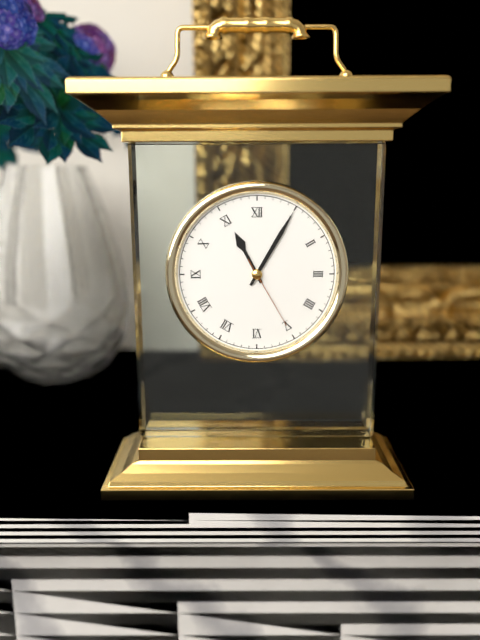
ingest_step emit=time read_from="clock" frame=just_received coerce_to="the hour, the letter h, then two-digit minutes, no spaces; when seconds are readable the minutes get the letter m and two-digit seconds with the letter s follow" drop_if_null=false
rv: 11h05m25s
